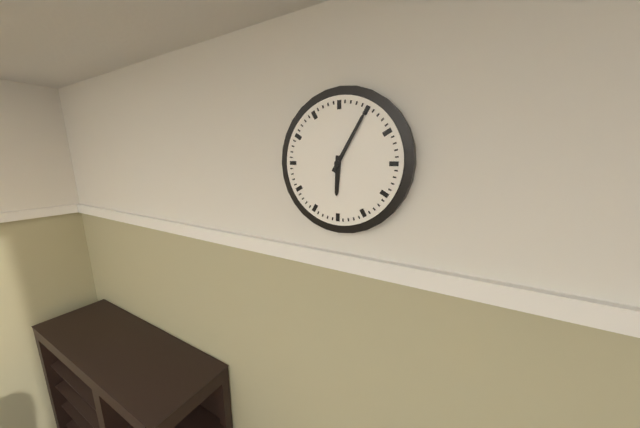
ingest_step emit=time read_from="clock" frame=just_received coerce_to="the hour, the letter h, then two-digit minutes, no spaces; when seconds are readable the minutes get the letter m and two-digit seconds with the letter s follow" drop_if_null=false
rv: 6h05
